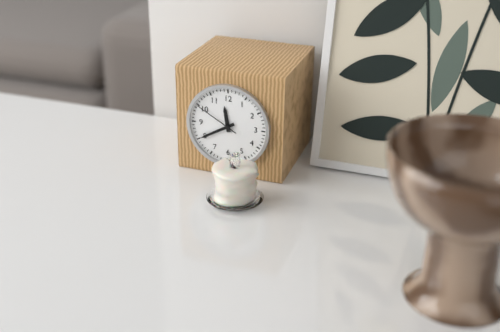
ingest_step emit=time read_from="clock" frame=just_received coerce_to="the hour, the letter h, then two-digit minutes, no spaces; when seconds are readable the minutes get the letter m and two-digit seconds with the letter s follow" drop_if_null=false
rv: 11h40
